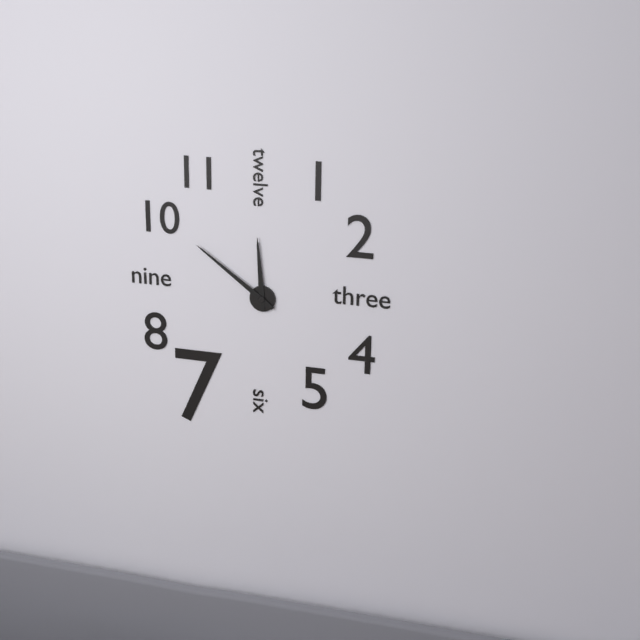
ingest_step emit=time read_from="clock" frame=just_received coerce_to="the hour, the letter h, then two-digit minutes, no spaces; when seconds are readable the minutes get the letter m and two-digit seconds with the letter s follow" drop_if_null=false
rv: 11h51
